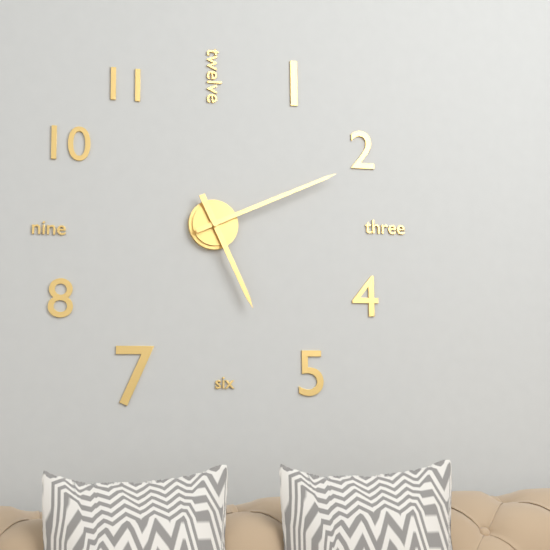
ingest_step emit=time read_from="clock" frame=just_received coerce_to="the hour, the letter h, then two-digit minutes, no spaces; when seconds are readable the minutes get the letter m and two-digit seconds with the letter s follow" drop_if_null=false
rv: 5h11
